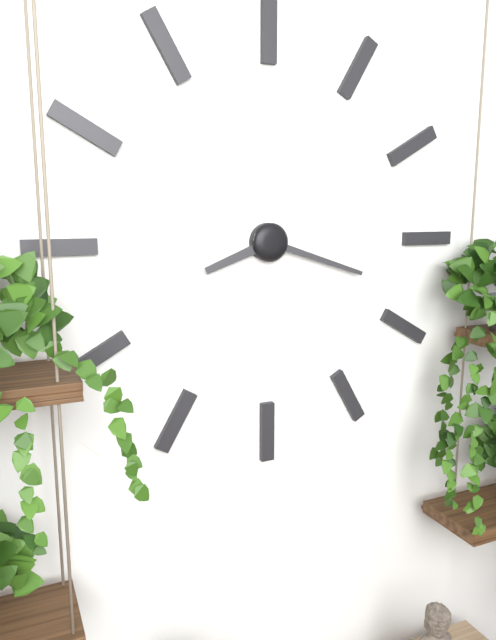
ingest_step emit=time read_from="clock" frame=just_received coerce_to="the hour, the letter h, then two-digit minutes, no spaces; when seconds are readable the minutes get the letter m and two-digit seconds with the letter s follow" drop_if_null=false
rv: 8h18
